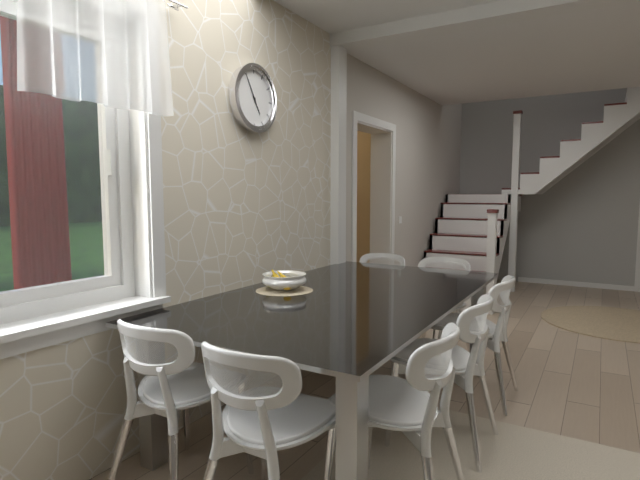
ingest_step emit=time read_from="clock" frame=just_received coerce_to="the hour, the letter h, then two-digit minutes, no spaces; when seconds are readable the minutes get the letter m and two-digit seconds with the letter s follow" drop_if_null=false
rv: 4h55
